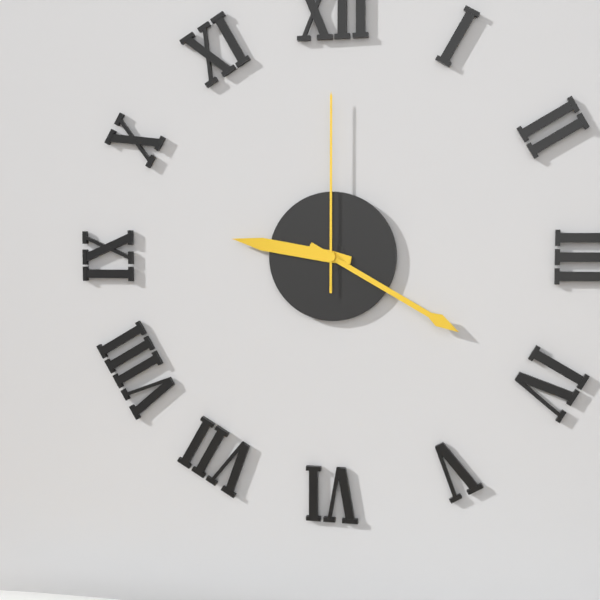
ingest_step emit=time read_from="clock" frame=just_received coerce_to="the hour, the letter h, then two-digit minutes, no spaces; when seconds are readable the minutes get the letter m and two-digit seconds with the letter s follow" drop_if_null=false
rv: 9h20m00s
